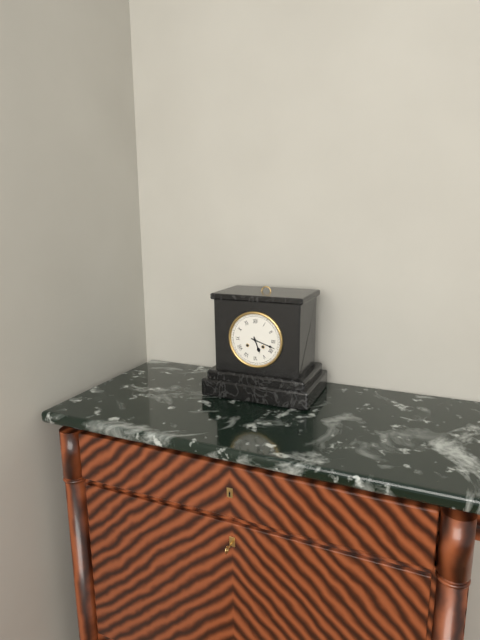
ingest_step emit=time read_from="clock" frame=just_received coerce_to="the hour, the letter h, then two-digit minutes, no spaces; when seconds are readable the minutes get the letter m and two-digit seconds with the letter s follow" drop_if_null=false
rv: 5h18
